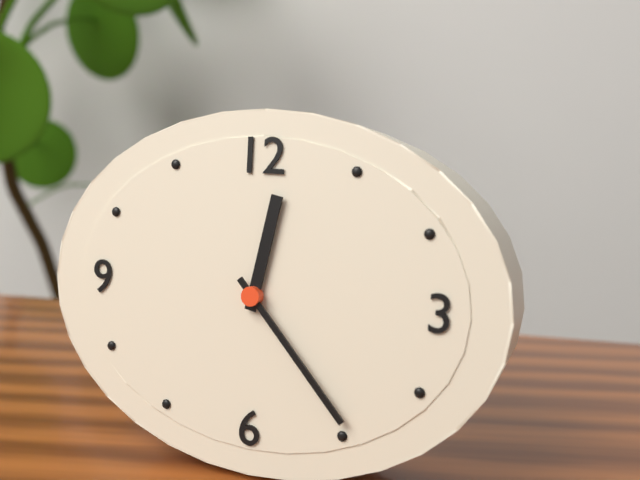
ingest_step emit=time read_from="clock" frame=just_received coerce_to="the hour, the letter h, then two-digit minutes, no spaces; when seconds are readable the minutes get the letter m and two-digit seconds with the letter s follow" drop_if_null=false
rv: 12h23
